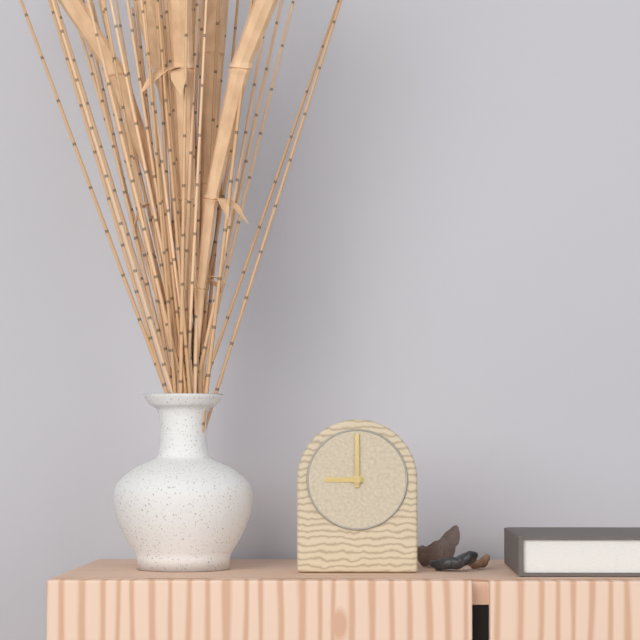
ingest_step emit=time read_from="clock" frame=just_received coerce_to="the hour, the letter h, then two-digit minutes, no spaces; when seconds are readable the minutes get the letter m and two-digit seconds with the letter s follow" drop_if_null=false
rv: 9h00
